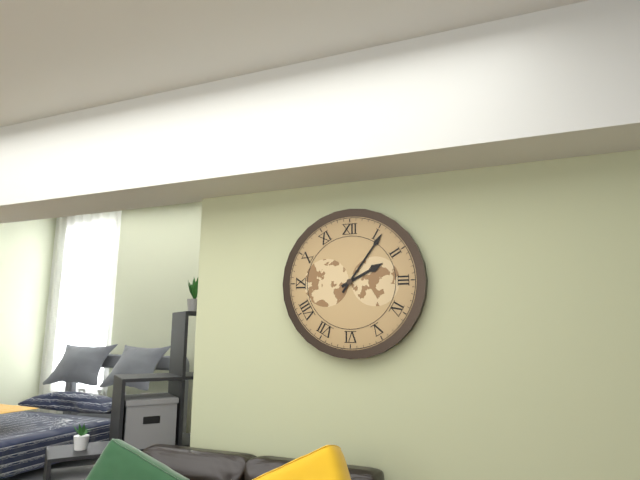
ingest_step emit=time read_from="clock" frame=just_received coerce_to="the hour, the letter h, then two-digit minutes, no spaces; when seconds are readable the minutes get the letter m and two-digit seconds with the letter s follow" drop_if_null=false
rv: 2h06
